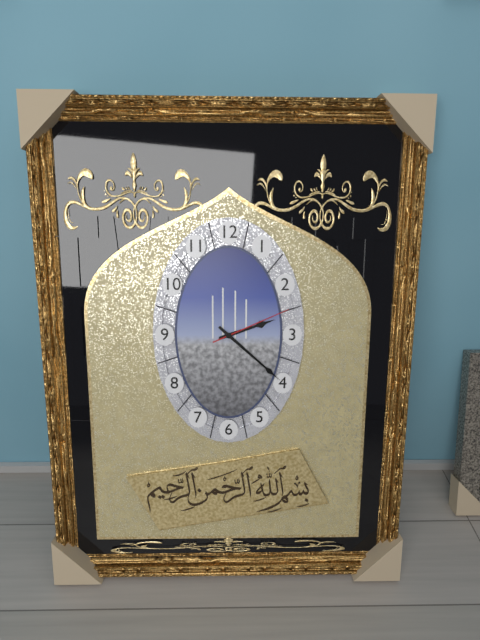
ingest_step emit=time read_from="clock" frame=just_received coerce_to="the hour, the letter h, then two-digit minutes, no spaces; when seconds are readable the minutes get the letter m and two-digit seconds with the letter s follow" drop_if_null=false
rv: 2h22m11s
